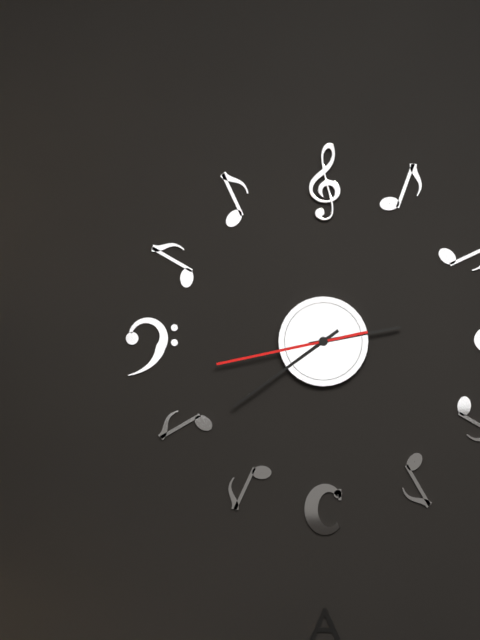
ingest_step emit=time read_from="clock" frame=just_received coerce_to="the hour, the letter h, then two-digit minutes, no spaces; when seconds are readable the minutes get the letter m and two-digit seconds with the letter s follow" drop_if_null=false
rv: 2h39m43s
